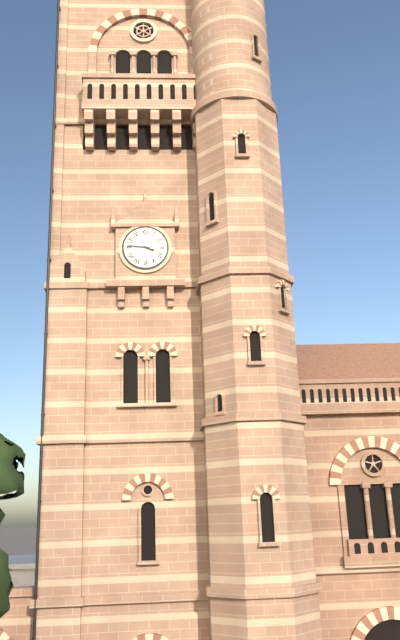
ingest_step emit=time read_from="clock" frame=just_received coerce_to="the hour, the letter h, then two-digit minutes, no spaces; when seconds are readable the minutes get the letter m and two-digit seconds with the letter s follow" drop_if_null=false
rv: 3h46
